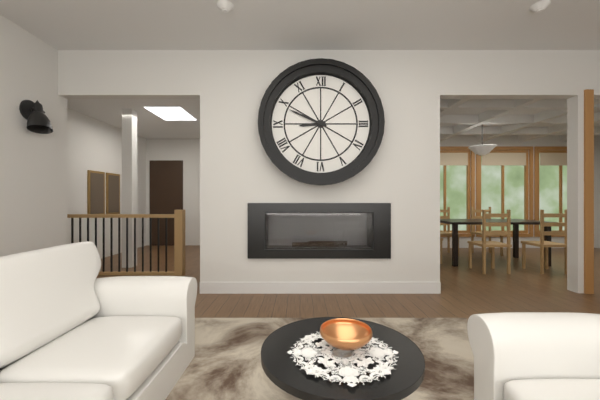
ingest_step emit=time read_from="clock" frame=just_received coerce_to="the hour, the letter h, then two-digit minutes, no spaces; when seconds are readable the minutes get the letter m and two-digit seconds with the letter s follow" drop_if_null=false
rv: 8h49
